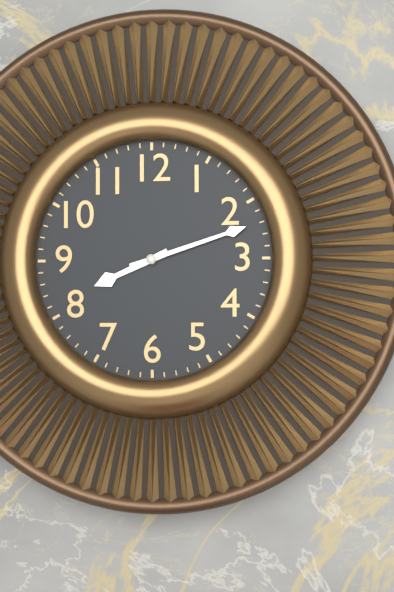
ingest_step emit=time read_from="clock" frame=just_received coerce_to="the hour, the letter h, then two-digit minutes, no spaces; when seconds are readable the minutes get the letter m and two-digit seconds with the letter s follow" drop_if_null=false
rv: 8h12
